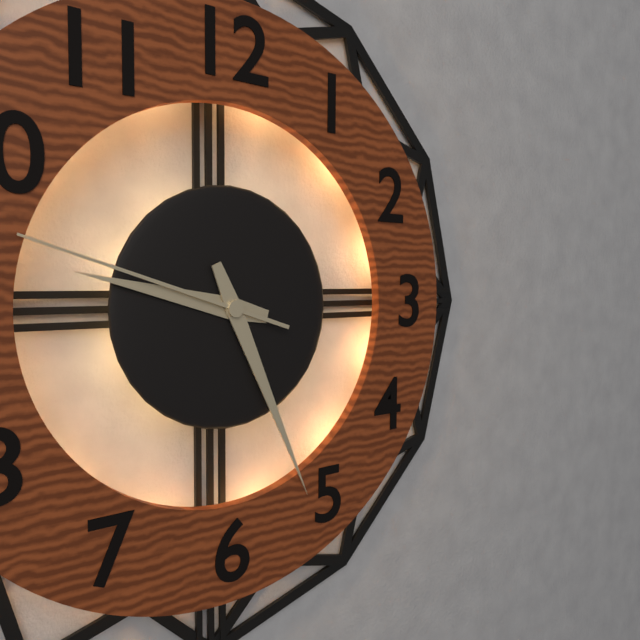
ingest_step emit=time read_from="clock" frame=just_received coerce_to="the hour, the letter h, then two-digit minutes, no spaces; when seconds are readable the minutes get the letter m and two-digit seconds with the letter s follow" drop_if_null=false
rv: 9h26m48s
